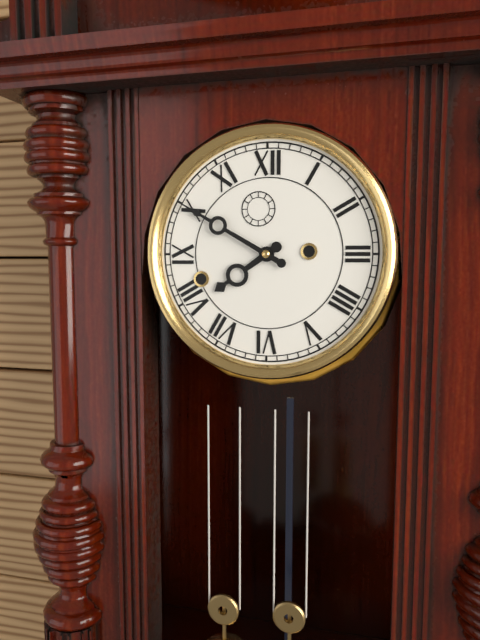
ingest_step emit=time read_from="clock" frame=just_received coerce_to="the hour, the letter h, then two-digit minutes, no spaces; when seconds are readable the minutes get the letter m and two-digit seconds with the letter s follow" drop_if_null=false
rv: 7h50
